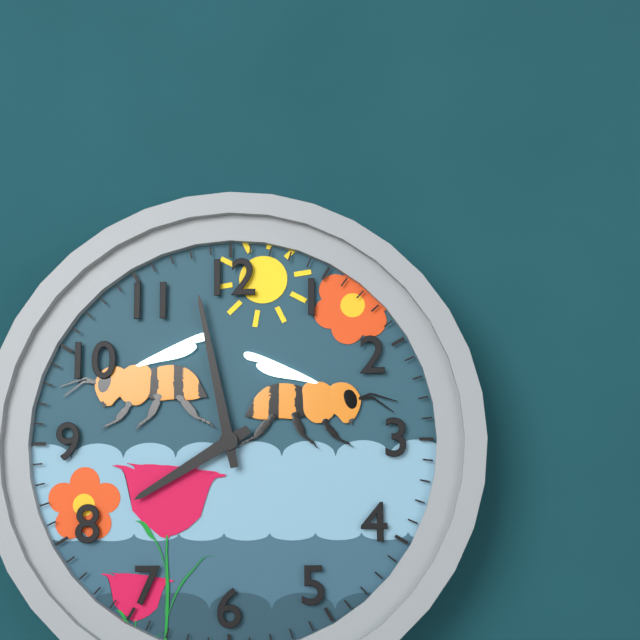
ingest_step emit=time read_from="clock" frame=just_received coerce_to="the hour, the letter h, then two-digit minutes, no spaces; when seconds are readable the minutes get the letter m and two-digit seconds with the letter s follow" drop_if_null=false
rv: 7h58
